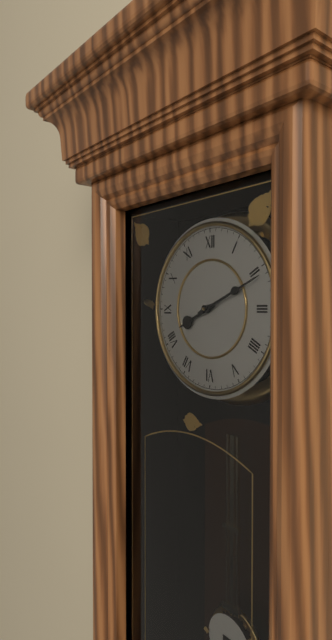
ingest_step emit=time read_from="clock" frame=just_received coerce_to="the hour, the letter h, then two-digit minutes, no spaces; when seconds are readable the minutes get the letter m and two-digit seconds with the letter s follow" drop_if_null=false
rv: 8h11
